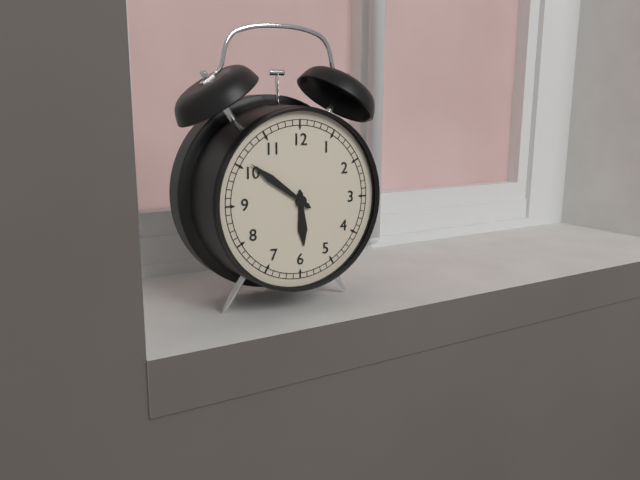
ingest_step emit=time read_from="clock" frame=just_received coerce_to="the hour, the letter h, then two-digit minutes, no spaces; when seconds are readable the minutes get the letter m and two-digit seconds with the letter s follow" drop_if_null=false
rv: 5h51
